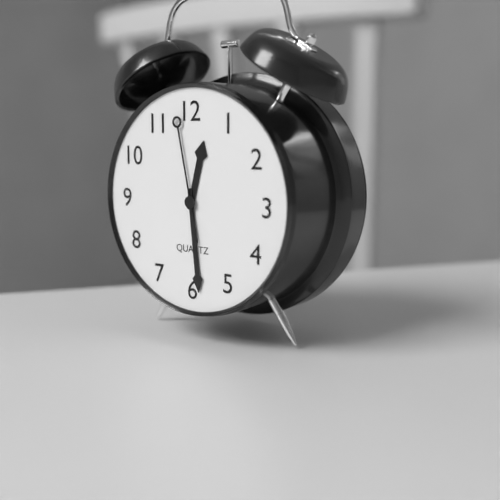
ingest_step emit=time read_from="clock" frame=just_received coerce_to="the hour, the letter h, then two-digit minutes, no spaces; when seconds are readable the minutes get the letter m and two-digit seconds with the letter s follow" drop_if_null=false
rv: 12h29m58s
